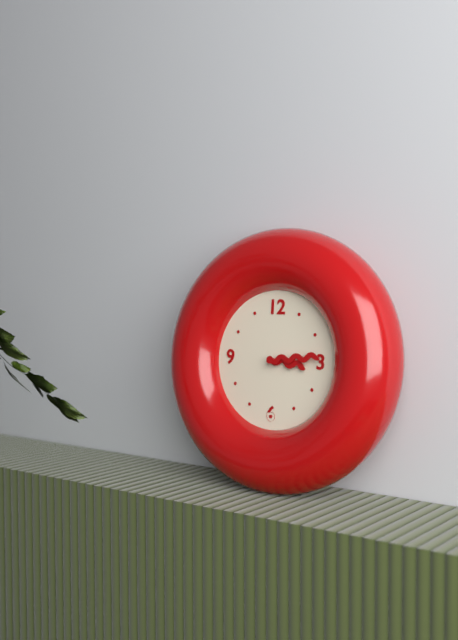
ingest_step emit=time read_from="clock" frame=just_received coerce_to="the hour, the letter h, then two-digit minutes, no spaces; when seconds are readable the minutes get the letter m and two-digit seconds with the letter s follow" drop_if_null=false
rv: 3h14
